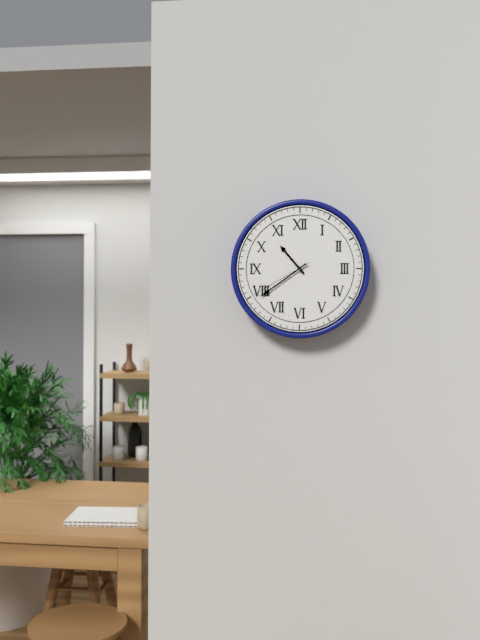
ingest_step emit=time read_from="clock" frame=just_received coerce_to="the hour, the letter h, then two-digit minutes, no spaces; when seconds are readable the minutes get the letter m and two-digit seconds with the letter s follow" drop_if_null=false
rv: 10h39m40s
